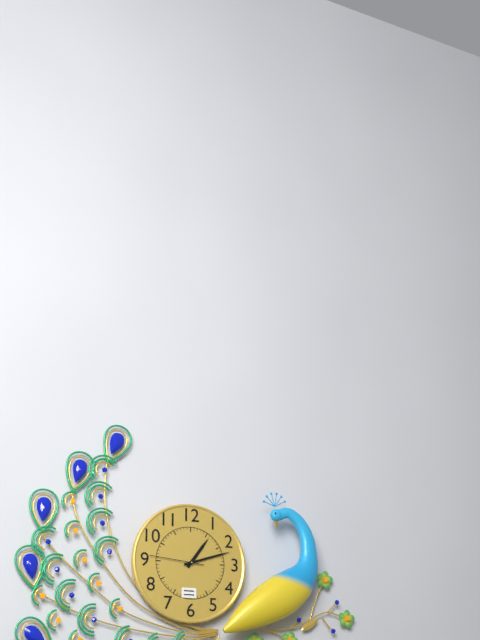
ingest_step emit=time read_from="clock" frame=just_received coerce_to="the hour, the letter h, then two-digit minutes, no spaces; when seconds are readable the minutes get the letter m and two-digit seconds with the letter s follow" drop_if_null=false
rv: 1h12
